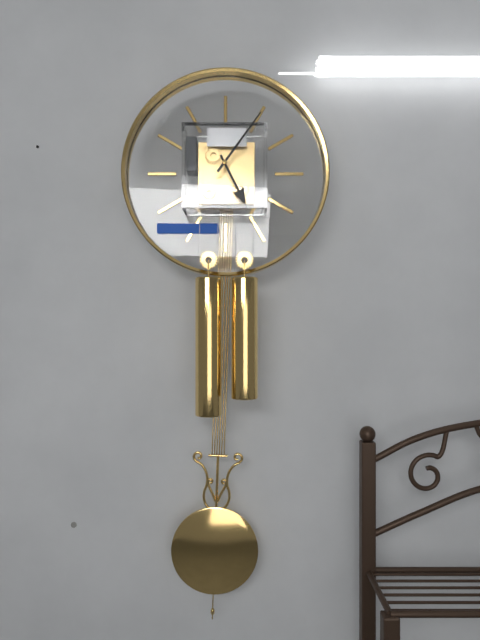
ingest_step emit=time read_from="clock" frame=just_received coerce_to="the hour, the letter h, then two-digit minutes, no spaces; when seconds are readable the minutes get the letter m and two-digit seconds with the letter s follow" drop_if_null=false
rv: 5h06
